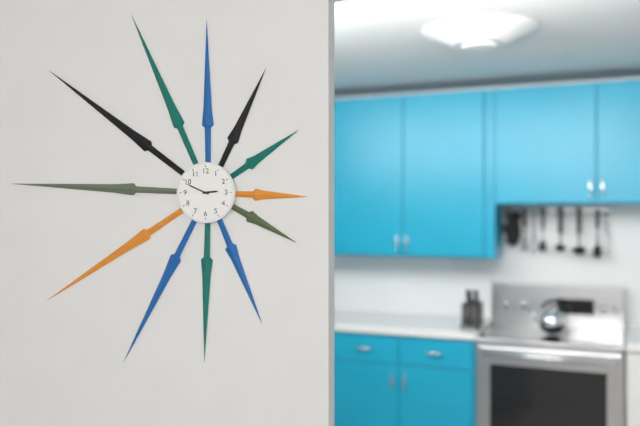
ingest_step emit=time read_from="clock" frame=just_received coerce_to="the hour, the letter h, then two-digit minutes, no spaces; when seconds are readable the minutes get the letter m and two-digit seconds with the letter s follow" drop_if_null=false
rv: 2h49
